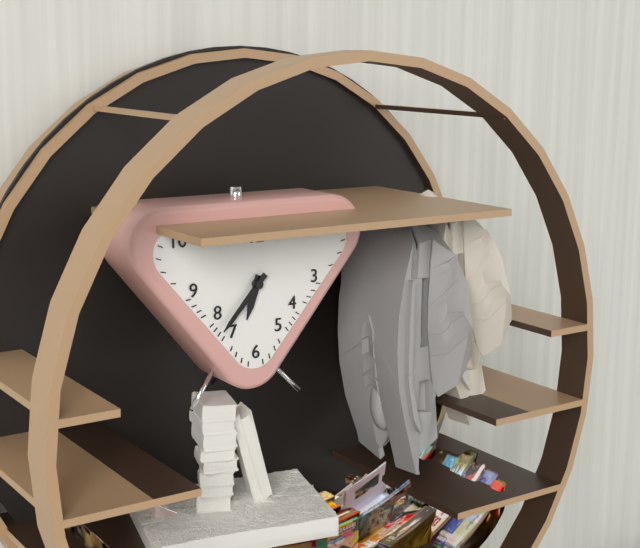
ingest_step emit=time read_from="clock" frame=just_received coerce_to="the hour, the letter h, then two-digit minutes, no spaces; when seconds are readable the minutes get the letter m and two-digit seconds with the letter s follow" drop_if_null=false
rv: 6h37
